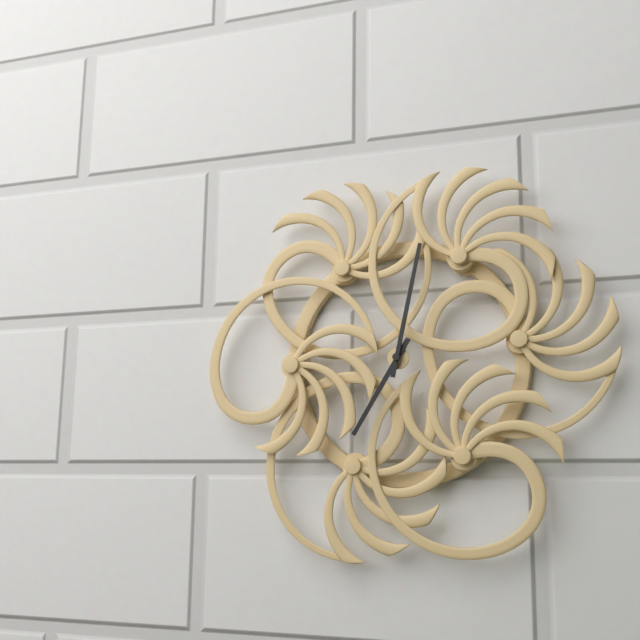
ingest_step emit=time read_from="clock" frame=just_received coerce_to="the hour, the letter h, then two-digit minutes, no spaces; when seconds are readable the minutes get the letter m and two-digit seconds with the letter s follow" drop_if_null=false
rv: 7h02
